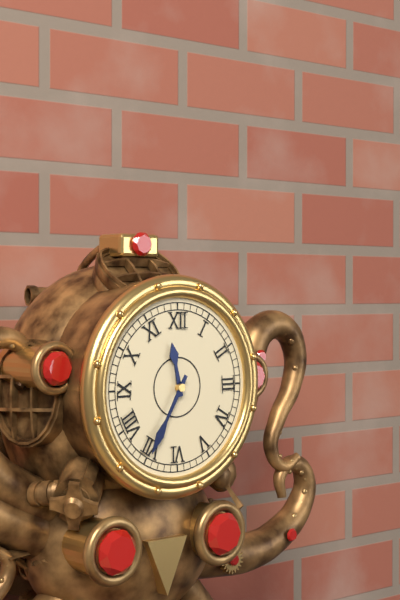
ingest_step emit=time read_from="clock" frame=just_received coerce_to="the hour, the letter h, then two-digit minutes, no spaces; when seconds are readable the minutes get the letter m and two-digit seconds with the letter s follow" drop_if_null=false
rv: 11h35
